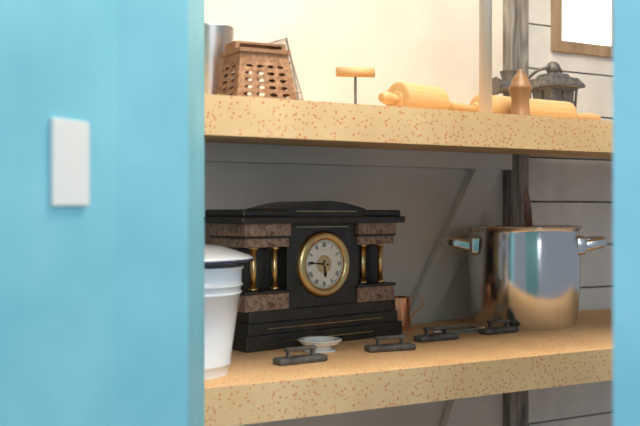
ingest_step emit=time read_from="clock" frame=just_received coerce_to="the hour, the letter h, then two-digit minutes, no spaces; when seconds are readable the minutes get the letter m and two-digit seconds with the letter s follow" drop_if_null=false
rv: 5h46
